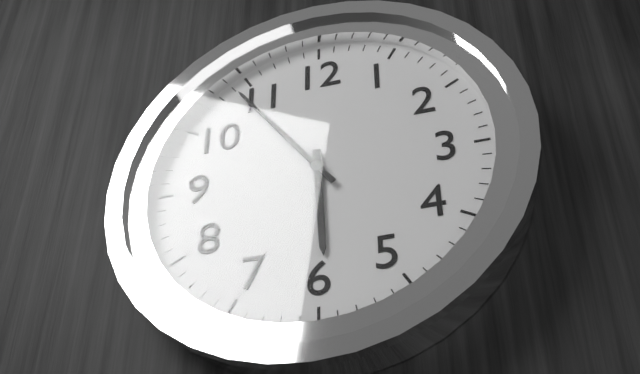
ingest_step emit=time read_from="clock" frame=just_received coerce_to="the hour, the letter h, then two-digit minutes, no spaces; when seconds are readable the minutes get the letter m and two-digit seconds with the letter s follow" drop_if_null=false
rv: 5h54
